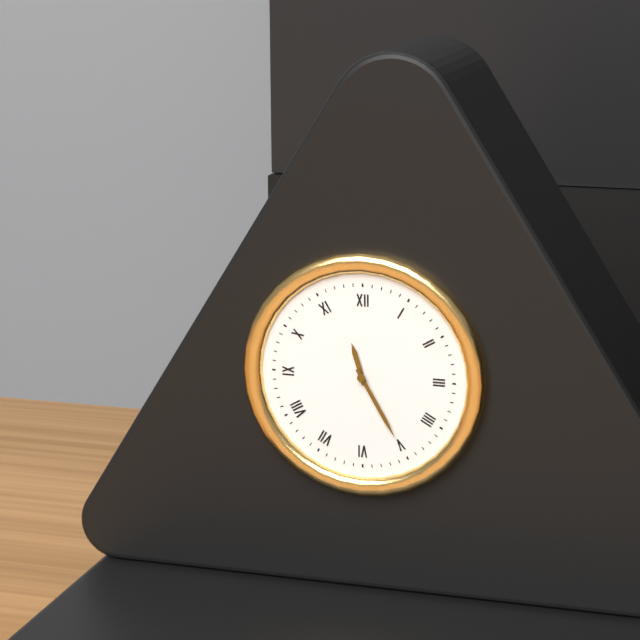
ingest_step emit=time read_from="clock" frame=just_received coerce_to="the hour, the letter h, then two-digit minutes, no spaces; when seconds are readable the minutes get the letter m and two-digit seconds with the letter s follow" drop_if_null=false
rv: 11h25
